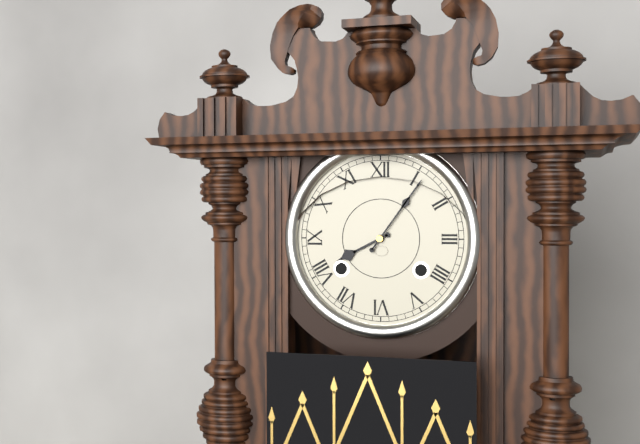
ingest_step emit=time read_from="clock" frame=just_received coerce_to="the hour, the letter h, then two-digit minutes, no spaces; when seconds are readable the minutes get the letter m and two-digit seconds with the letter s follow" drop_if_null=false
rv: 8h06
